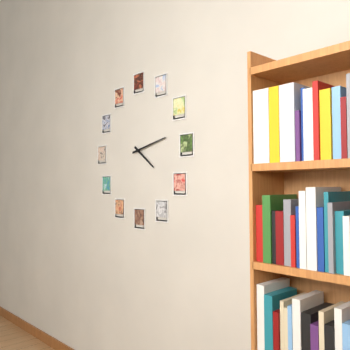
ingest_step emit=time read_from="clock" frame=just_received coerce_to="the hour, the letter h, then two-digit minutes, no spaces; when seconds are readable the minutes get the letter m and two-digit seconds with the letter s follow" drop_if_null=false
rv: 4h13
